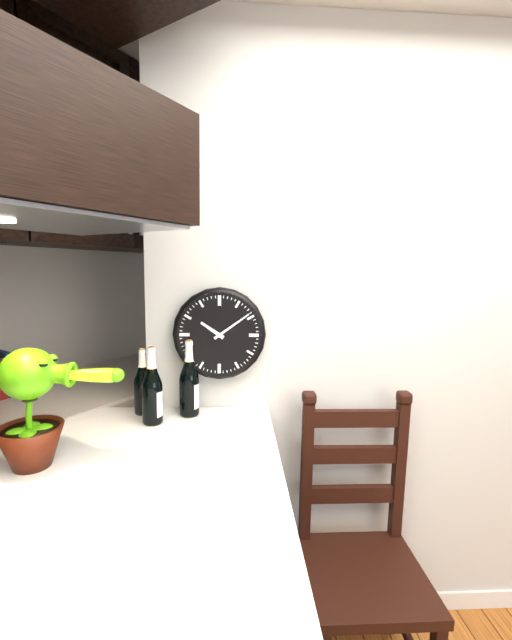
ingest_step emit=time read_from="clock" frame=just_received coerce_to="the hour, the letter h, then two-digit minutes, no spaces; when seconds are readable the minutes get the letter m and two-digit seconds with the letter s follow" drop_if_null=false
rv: 10h09
